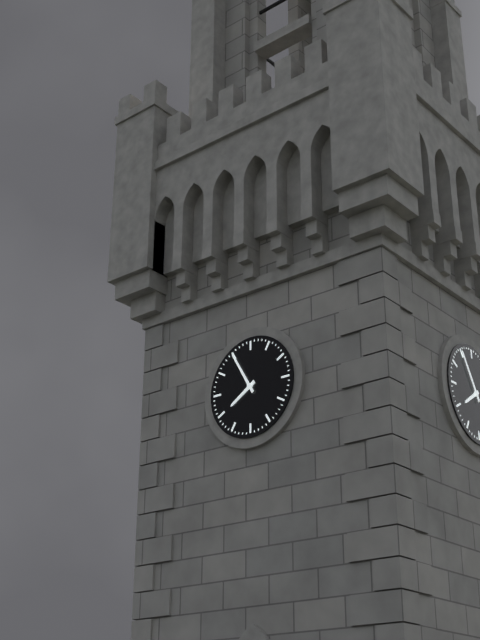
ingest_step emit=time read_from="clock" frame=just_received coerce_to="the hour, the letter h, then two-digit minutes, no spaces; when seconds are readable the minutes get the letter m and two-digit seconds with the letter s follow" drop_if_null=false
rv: 7h55
